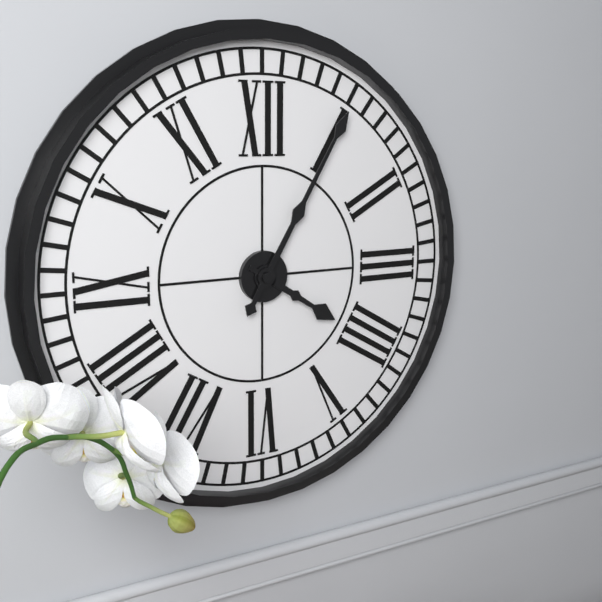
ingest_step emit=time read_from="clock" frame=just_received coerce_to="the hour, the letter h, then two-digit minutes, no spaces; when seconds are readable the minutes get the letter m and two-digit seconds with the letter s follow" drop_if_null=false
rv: 4h05
